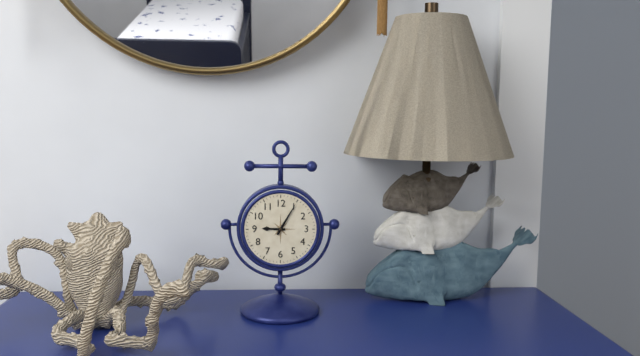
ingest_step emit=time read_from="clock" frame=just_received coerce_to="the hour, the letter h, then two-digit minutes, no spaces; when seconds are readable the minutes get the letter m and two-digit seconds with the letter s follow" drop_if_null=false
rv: 9h05
